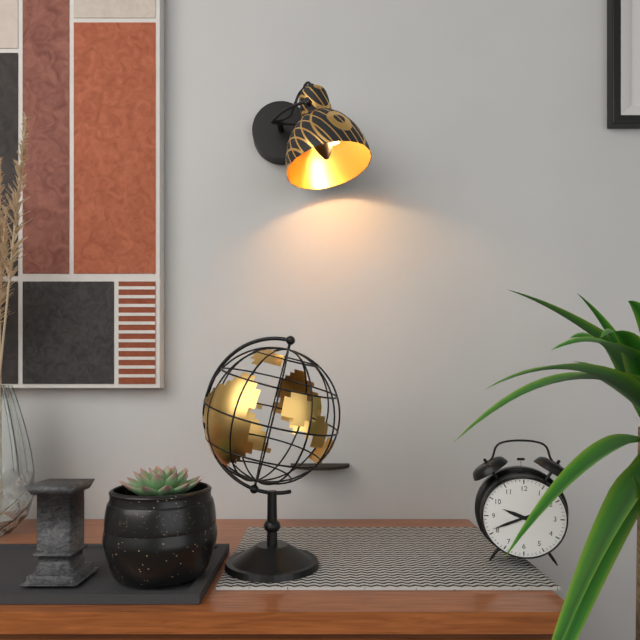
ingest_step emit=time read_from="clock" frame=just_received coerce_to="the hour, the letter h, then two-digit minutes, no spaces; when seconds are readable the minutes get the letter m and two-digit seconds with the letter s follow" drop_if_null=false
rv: 9h41
